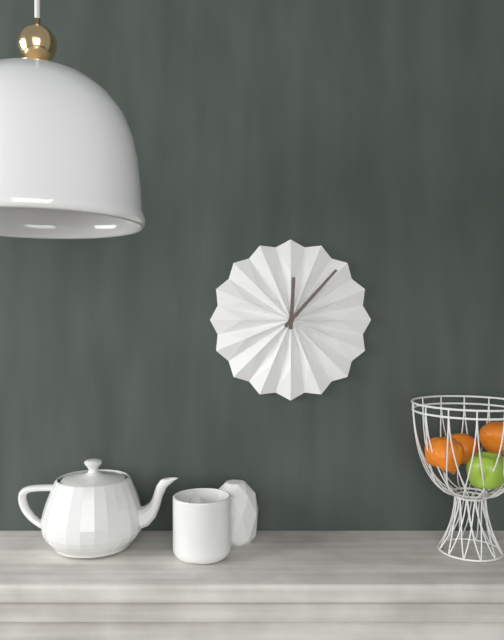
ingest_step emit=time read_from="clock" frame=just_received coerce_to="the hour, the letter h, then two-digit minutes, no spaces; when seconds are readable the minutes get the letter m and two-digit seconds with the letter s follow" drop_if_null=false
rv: 12h07
